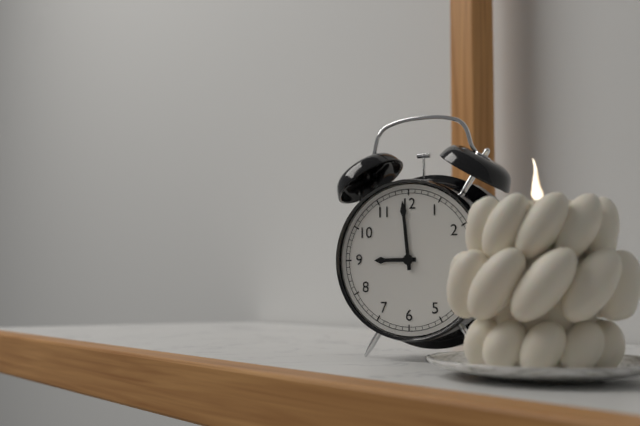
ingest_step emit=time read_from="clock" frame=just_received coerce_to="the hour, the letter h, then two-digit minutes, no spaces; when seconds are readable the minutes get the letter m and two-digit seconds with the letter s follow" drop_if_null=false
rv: 8h59
